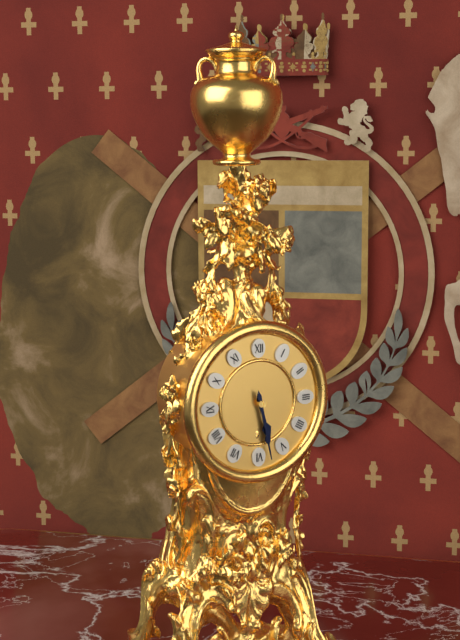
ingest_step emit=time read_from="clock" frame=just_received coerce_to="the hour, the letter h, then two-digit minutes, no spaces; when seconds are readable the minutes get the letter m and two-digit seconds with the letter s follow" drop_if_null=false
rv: 5h28
